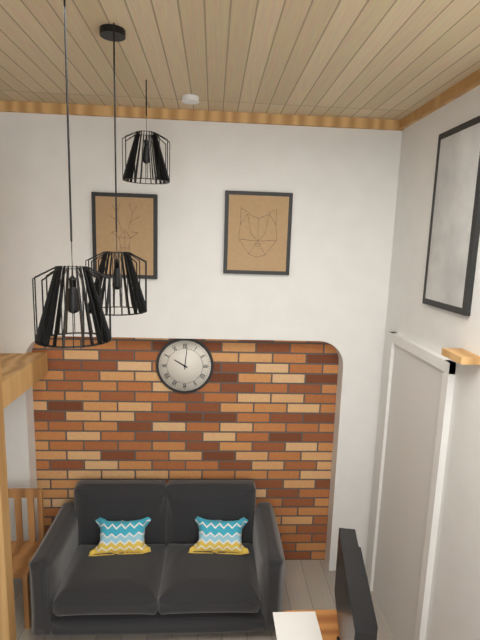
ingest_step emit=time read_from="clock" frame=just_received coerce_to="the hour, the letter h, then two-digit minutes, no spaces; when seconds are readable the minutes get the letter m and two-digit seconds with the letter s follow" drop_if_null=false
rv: 10h01
